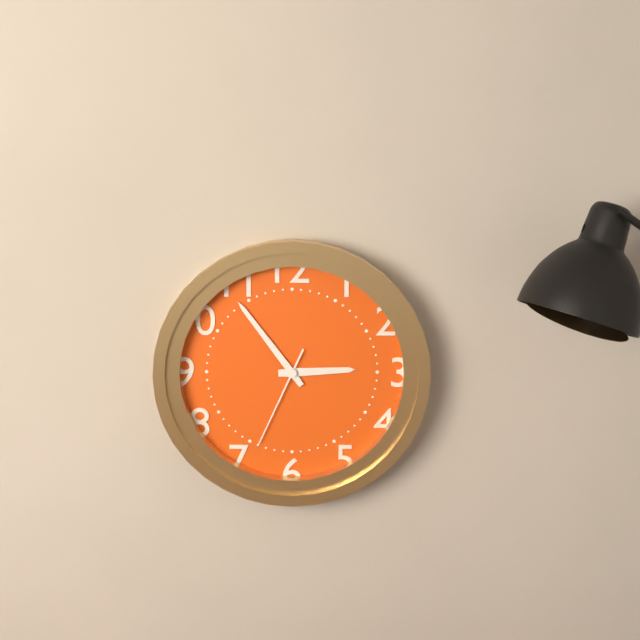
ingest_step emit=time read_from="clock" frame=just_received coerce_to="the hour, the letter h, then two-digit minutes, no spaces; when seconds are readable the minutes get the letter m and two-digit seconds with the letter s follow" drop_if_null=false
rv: 2h54m34s
